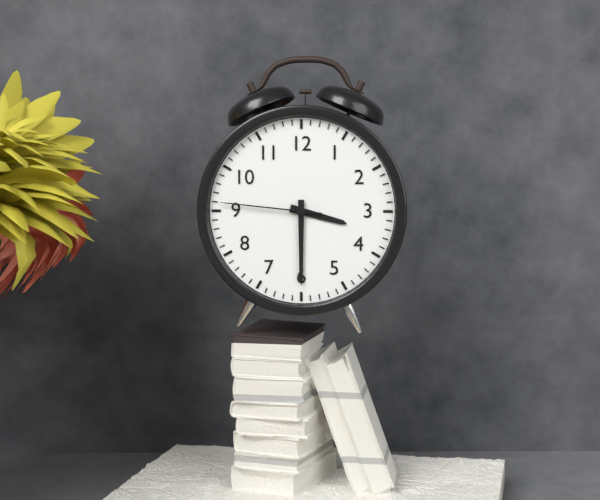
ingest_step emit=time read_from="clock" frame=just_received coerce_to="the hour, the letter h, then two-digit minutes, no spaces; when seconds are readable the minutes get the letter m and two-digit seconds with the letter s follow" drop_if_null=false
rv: 3h30m46s
